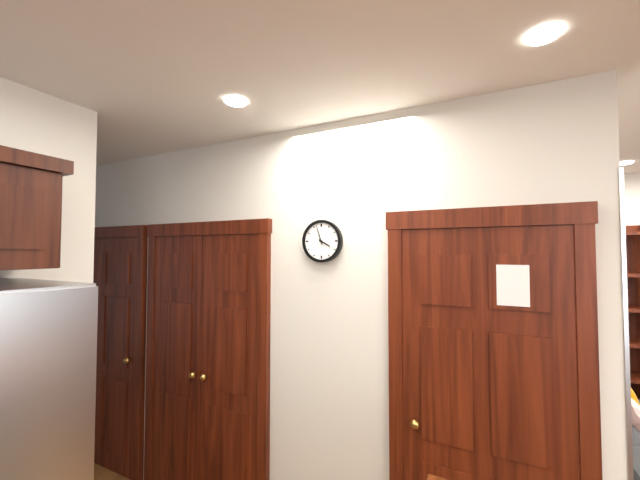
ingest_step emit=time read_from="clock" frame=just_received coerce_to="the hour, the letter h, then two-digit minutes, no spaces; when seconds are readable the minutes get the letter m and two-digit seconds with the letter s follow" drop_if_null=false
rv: 3h57
